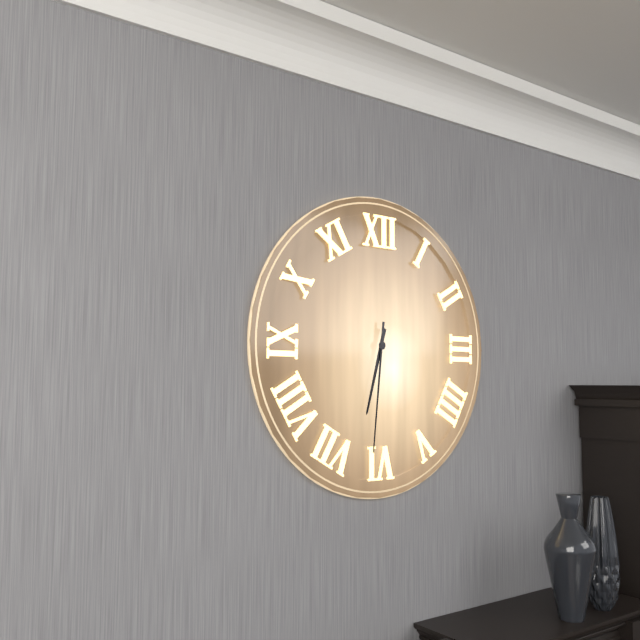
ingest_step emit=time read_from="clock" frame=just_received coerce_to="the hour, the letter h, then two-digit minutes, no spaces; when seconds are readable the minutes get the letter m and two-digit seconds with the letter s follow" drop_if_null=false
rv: 6h31
